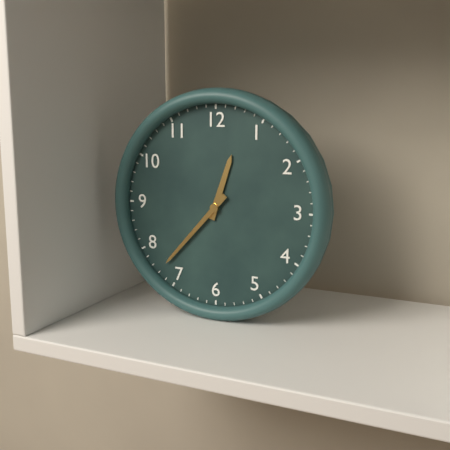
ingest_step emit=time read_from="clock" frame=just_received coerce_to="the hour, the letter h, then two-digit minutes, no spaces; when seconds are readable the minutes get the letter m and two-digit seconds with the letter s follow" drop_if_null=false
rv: 12h37
